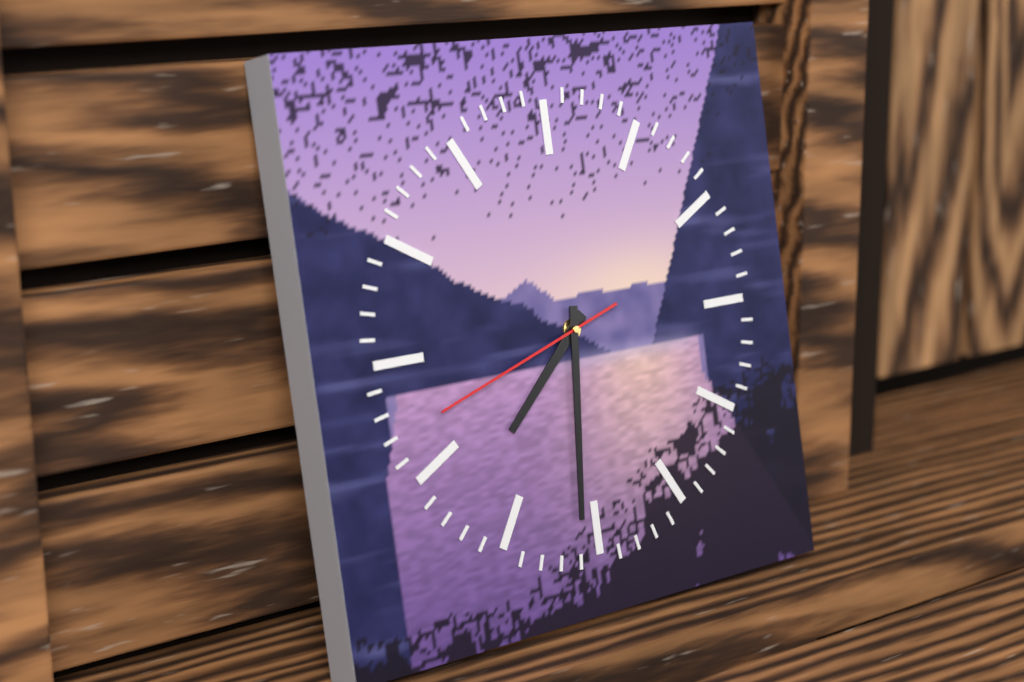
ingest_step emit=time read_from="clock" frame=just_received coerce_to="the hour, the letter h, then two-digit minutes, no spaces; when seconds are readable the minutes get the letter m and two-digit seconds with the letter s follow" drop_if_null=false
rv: 7h31m42s
